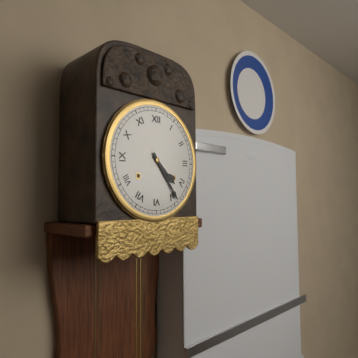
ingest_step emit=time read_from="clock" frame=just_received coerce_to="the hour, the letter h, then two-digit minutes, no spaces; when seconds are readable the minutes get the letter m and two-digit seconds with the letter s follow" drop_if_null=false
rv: 4h24
